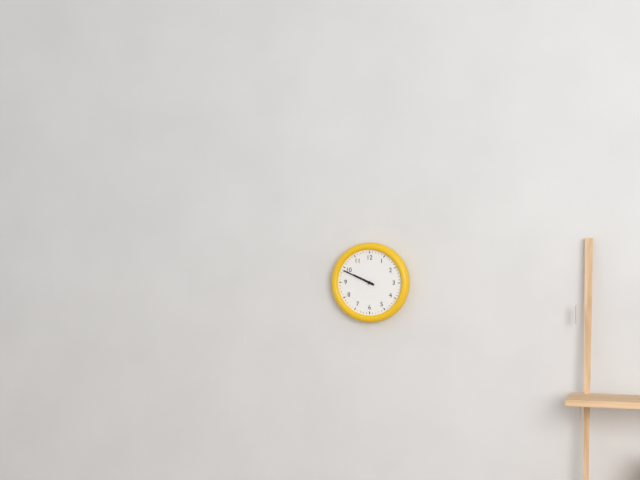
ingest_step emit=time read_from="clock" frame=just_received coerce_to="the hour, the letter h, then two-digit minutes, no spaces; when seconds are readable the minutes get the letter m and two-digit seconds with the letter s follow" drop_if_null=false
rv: 9h49
